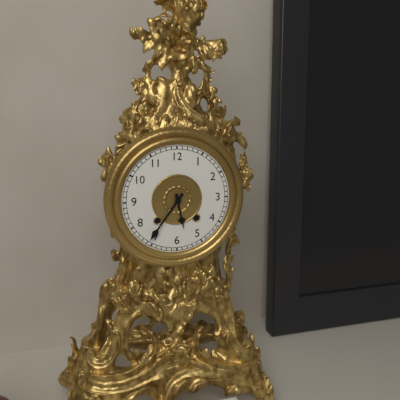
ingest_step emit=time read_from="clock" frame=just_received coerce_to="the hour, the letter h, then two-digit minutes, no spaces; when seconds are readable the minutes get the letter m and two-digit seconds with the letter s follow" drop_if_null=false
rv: 5h36
